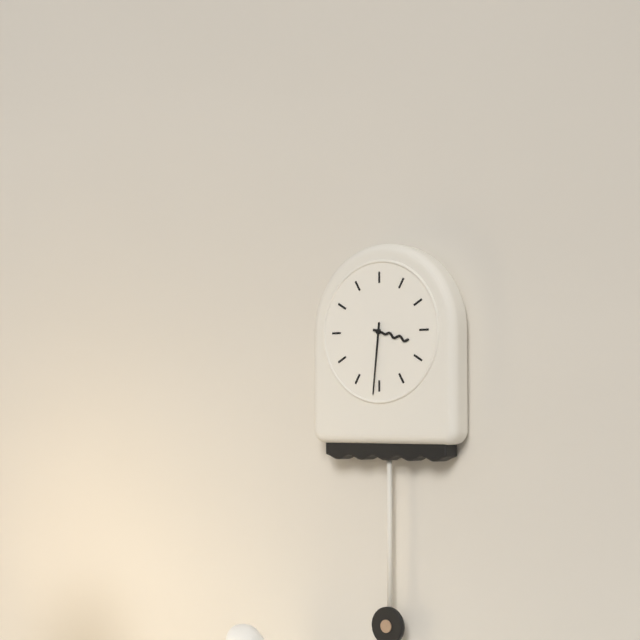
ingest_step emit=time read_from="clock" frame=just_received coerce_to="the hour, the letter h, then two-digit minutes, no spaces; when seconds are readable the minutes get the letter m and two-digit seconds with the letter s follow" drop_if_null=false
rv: 3h31
